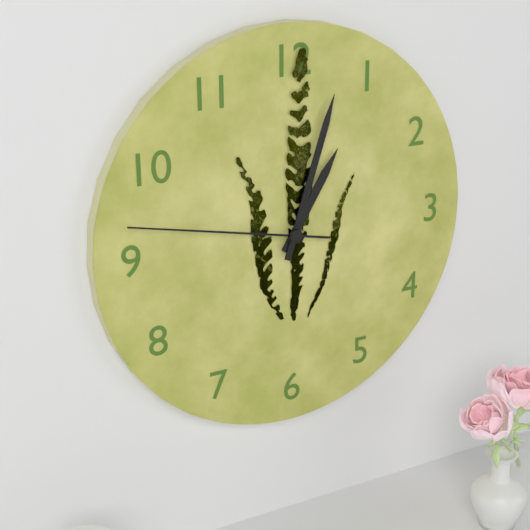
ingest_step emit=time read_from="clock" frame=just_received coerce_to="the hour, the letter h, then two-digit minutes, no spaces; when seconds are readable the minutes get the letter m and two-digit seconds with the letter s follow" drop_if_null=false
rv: 1h03m47s
